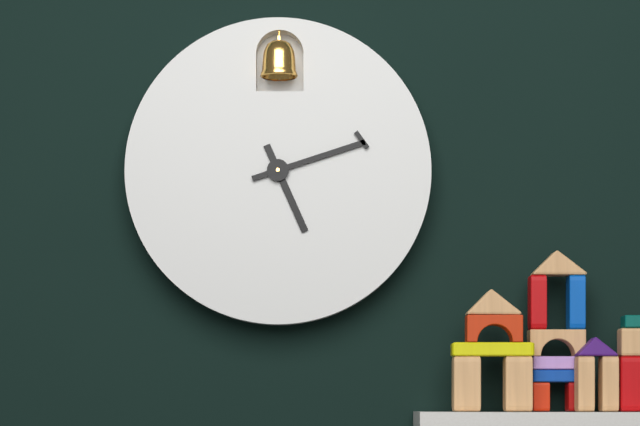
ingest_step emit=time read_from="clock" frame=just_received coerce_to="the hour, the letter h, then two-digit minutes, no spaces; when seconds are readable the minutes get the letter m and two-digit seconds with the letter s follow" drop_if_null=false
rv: 5h12
